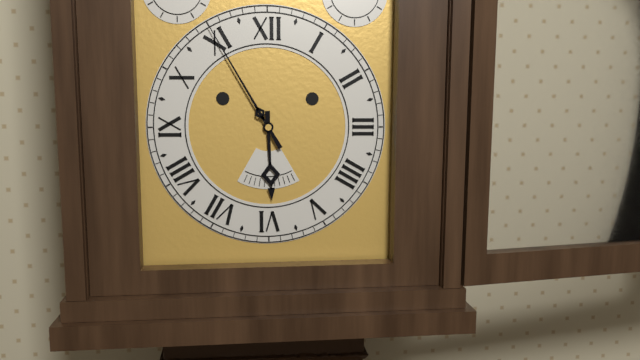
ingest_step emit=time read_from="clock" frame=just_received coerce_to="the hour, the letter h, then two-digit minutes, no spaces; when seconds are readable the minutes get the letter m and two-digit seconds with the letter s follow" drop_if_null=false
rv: 5h55
